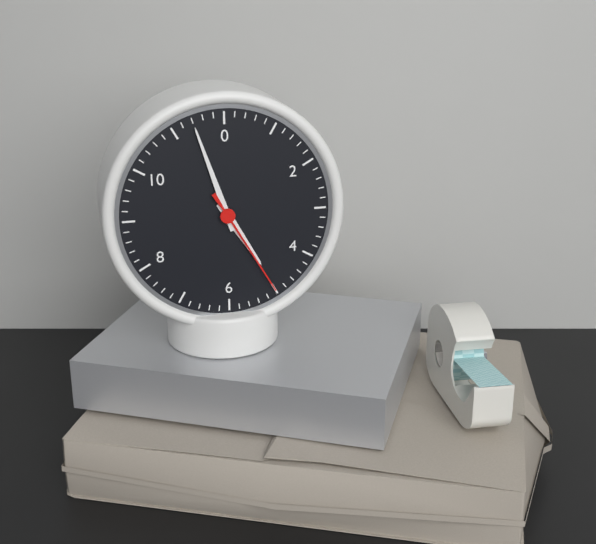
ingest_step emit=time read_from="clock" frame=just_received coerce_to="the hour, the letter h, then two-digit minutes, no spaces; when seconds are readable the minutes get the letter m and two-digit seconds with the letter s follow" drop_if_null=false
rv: 4h57m25s
